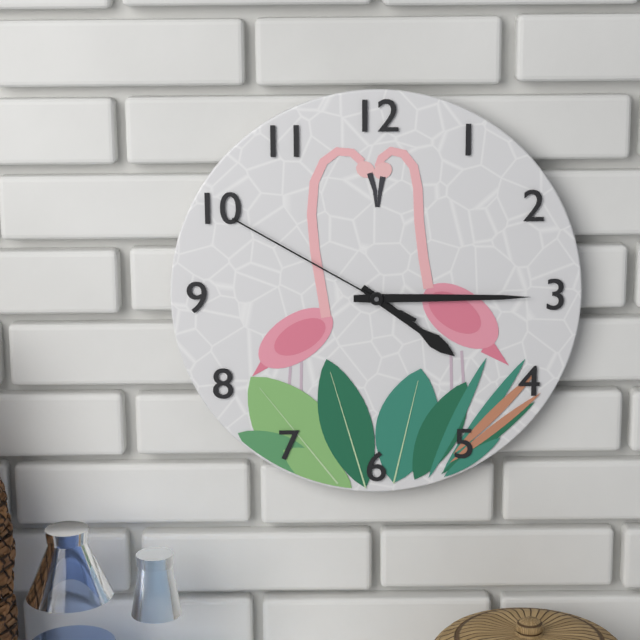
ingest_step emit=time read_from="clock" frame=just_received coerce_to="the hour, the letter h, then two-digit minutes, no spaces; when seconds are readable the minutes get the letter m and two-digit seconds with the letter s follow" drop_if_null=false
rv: 4h15m50s
